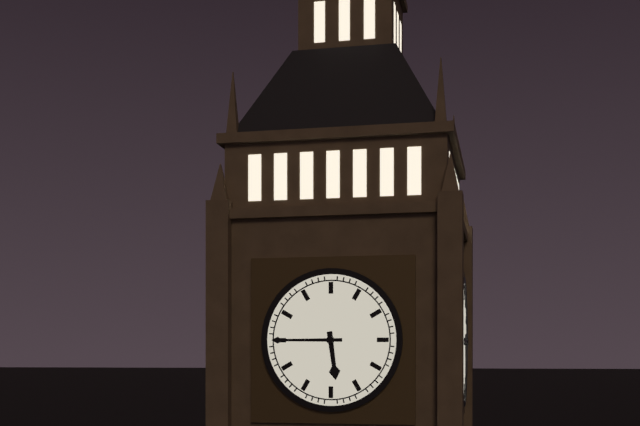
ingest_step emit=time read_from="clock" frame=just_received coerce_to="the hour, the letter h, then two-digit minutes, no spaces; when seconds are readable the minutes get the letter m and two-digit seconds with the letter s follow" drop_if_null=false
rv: 5h45
